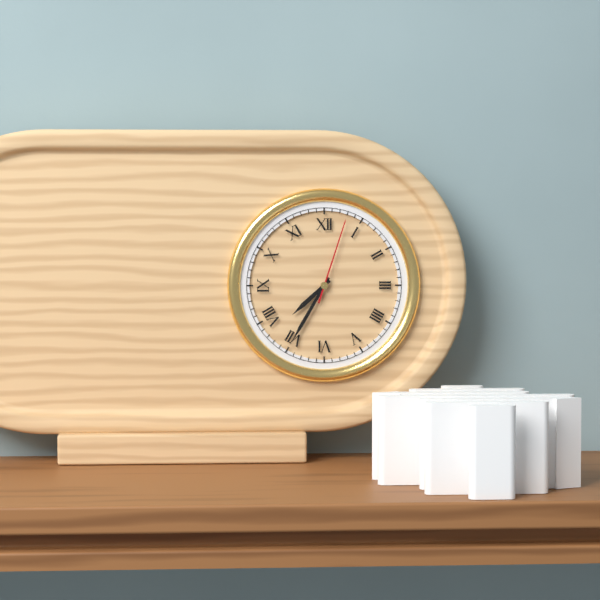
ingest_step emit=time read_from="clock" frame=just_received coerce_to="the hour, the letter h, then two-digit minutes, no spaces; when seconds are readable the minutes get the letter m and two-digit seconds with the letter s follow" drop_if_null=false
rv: 7h35m03s
